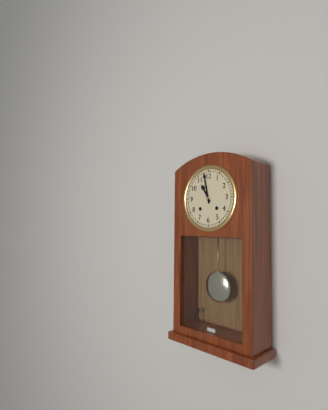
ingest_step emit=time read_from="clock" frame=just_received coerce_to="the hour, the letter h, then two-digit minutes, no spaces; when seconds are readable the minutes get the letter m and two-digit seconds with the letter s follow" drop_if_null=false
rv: 10h58
